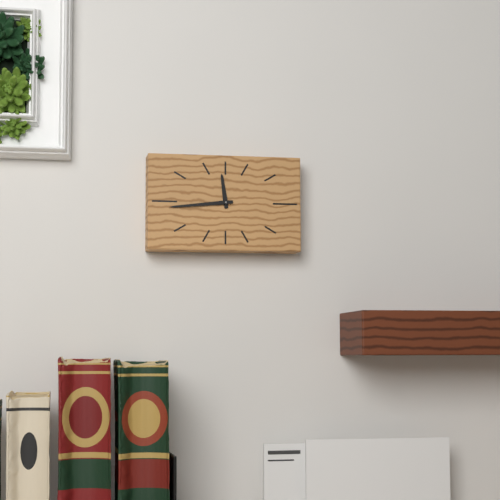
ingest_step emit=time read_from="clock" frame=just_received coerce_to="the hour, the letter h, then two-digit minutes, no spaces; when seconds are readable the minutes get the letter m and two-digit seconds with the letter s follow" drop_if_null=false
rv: 11h44
